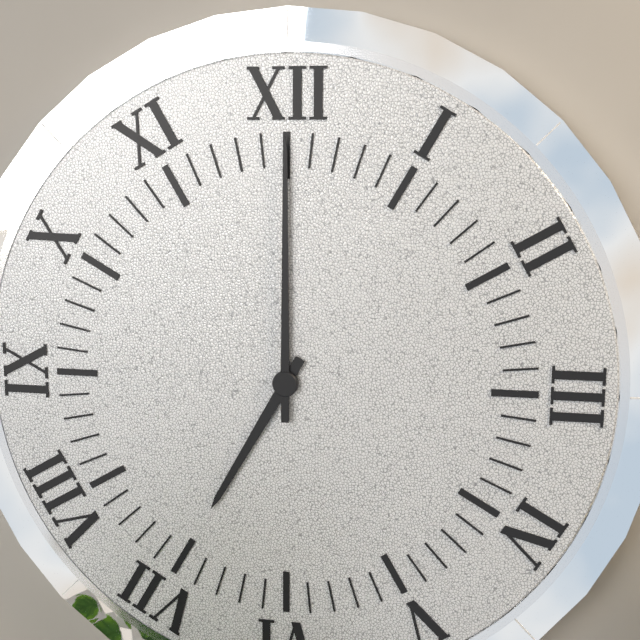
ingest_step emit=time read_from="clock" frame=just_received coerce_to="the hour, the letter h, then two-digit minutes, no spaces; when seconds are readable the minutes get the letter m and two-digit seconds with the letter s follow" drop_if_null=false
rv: 7h00
